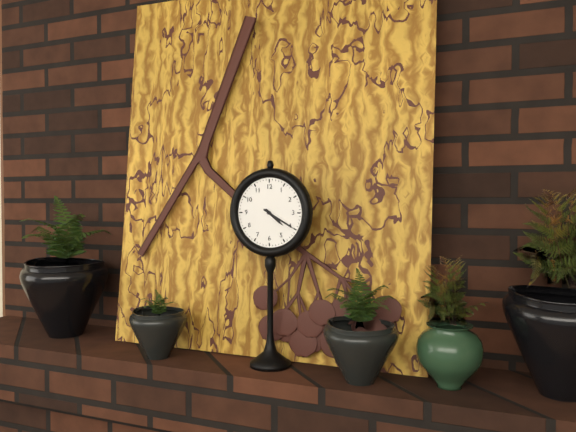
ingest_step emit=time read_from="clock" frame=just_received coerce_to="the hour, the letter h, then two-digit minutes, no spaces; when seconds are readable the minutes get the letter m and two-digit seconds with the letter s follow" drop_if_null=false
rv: 4h20
